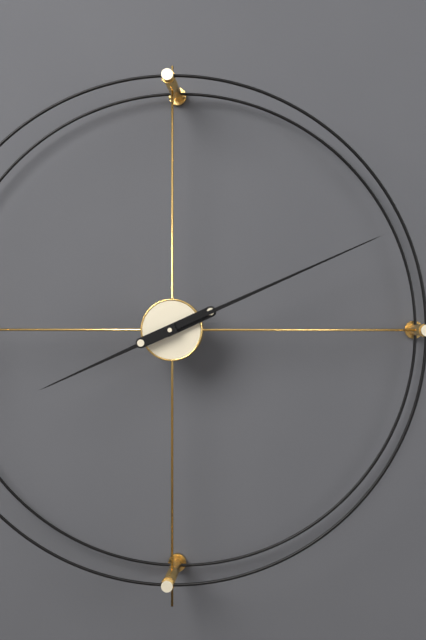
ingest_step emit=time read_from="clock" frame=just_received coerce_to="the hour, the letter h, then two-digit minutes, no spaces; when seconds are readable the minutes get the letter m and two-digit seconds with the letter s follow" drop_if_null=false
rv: 8h11
